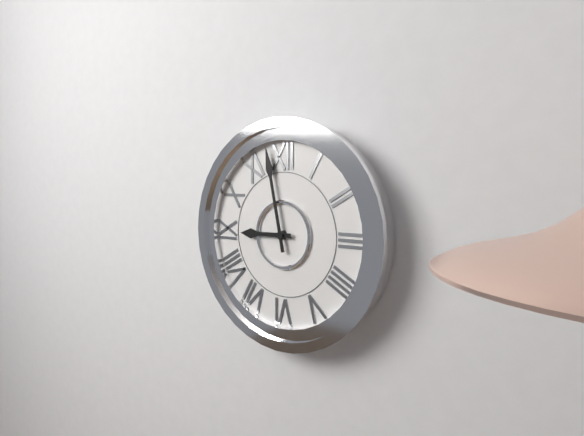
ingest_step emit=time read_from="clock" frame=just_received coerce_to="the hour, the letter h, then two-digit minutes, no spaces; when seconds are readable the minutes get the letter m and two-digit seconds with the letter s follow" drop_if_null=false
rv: 8h58
